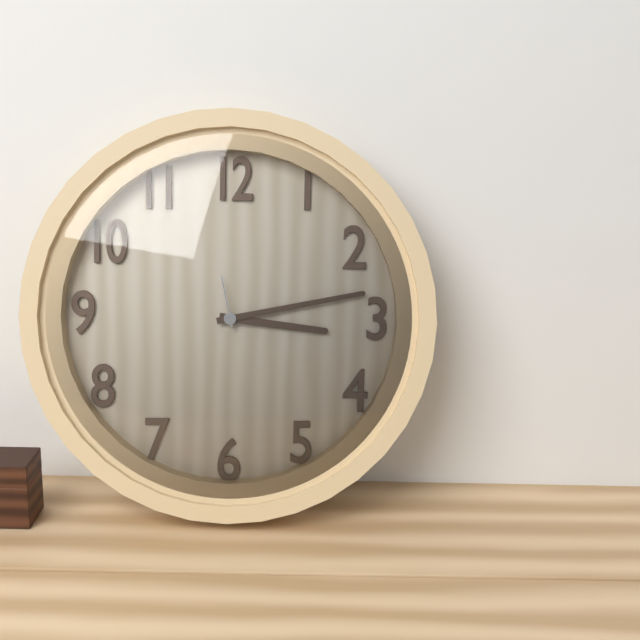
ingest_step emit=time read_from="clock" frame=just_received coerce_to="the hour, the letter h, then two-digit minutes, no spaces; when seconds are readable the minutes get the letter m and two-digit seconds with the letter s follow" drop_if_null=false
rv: 3h13m58s
